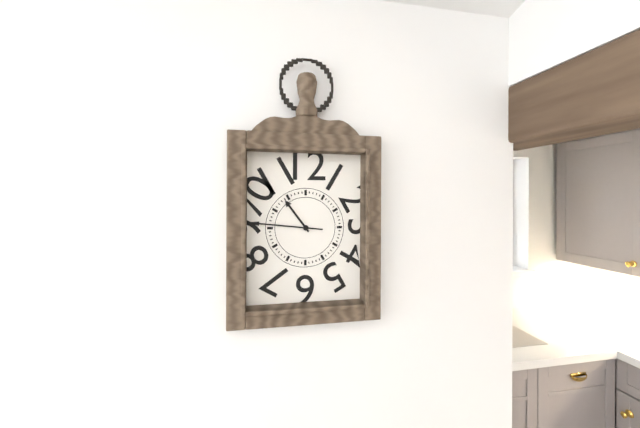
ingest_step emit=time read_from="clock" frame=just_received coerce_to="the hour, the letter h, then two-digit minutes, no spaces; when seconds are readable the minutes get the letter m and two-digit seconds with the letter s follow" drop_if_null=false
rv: 10h46
